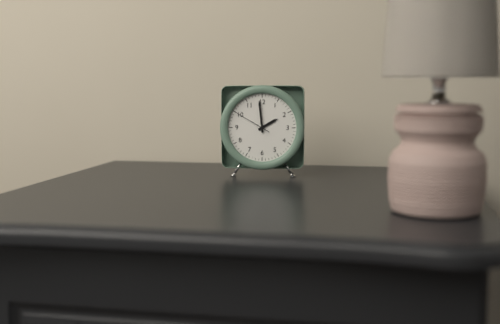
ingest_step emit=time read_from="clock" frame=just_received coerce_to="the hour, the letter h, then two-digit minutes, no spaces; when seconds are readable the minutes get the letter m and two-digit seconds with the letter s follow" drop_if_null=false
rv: 1h59
